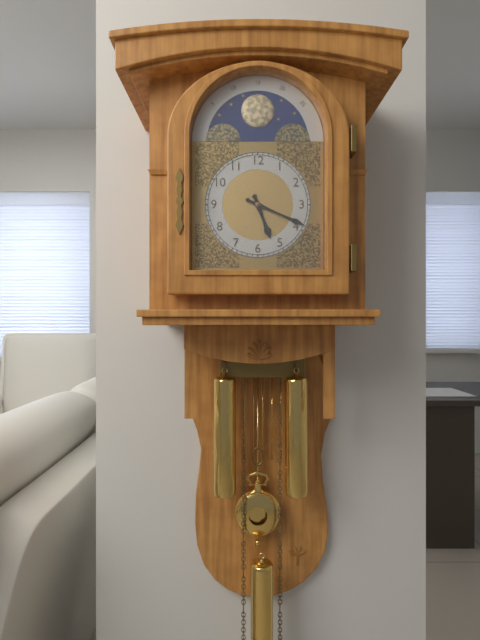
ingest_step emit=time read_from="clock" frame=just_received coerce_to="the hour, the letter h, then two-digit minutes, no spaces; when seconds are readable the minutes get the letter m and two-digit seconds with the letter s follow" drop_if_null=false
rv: 5h19
